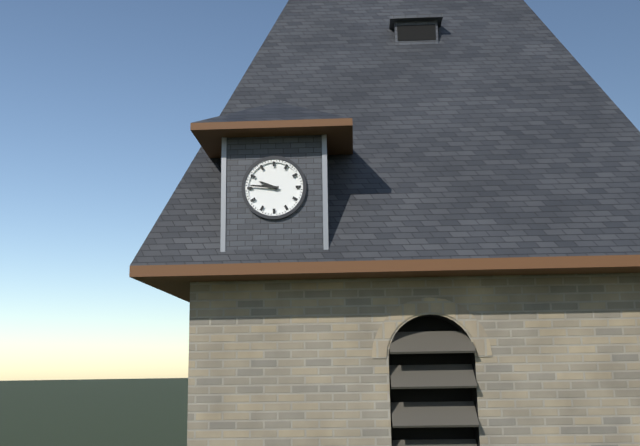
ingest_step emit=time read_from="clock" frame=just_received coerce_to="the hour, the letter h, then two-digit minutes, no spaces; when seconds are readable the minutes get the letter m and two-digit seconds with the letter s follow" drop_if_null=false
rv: 9h46
